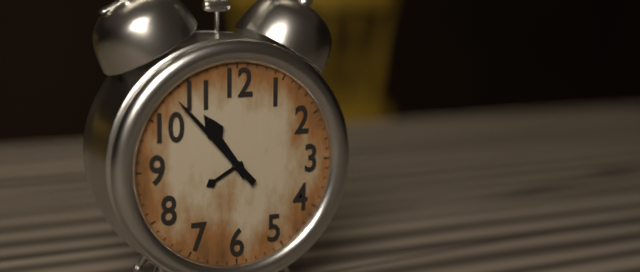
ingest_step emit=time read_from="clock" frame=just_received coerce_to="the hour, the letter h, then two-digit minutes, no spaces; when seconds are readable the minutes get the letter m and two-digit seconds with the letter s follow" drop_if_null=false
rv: 10h53
